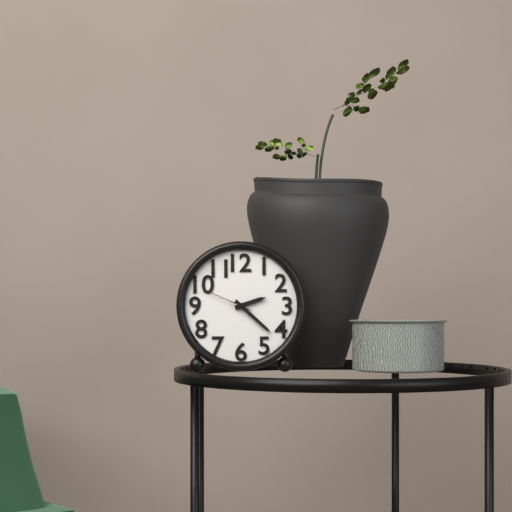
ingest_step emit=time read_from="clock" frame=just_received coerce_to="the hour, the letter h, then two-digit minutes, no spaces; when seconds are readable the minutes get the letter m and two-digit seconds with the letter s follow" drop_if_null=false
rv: 2h22m49s
